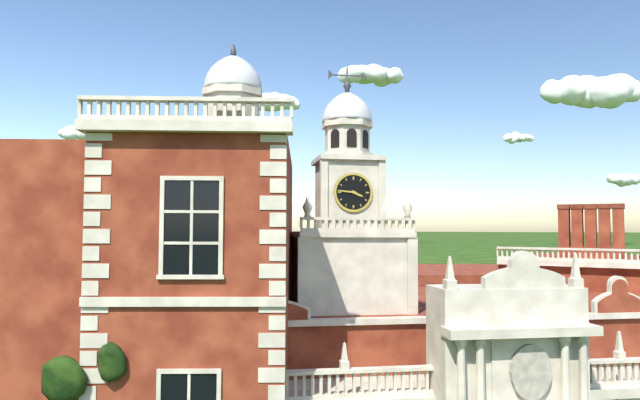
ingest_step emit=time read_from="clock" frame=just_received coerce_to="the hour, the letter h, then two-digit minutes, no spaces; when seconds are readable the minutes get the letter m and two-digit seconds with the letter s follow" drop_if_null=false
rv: 3h46
